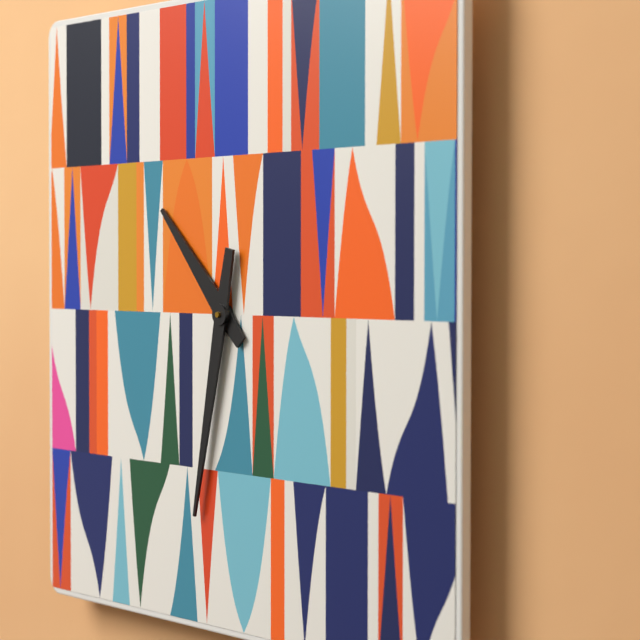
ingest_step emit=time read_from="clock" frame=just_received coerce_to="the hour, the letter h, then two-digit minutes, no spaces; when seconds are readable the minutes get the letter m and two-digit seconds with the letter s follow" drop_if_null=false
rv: 10h32
